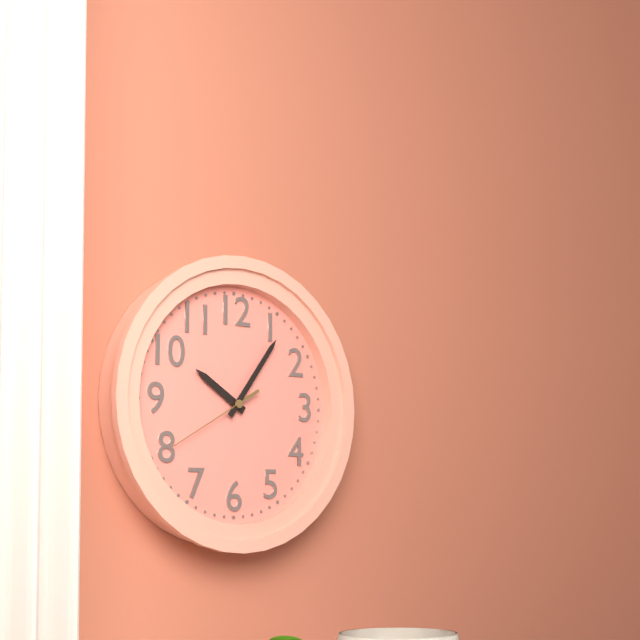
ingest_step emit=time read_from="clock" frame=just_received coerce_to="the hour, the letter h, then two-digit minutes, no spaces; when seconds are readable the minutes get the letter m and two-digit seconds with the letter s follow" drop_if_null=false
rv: 10h06m40s
